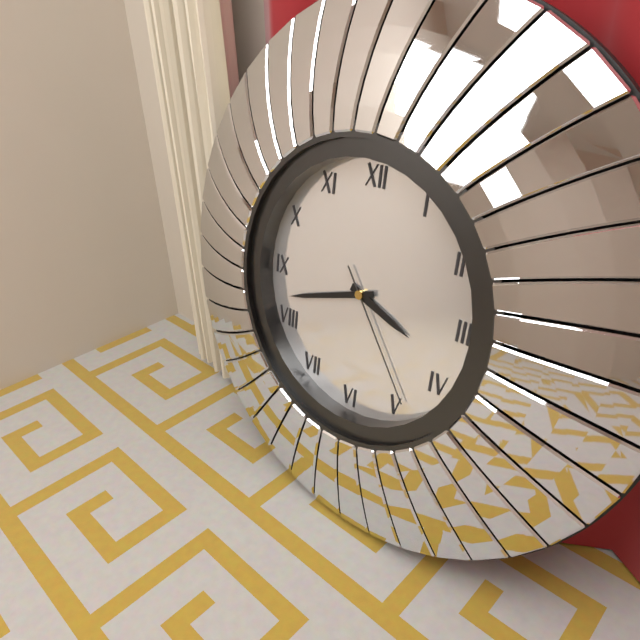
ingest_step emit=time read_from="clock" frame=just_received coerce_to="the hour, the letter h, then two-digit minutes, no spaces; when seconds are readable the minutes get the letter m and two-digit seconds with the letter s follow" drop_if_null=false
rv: 3h42m24s
